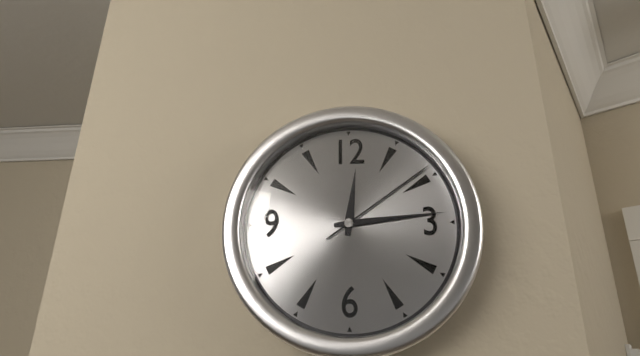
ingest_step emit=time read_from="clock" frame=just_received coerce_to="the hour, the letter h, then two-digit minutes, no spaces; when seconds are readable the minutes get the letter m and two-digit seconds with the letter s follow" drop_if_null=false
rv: 12h14m09s
